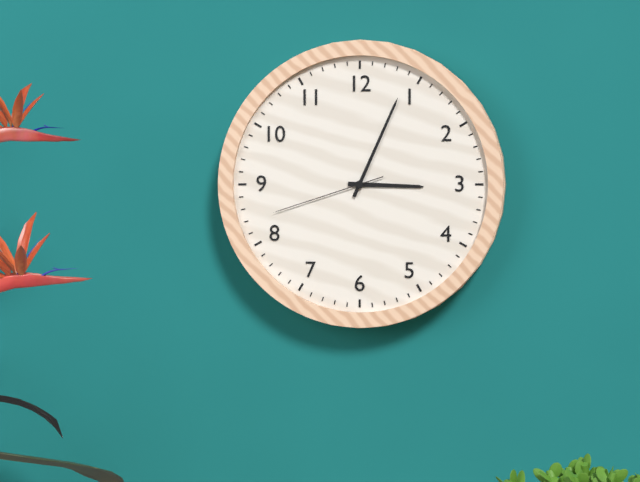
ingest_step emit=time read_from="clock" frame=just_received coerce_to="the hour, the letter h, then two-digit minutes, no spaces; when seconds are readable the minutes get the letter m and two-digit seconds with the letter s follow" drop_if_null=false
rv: 3h04m42s
